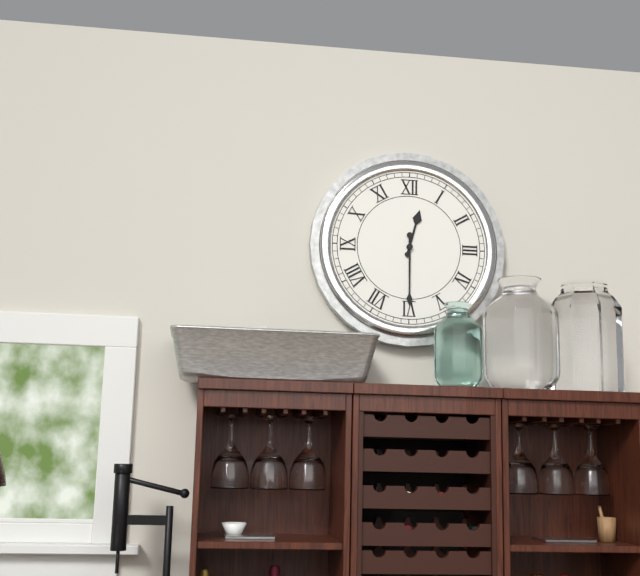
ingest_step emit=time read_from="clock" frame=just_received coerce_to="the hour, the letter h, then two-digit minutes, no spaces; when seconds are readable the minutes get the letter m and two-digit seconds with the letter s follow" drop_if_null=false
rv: 12h30
